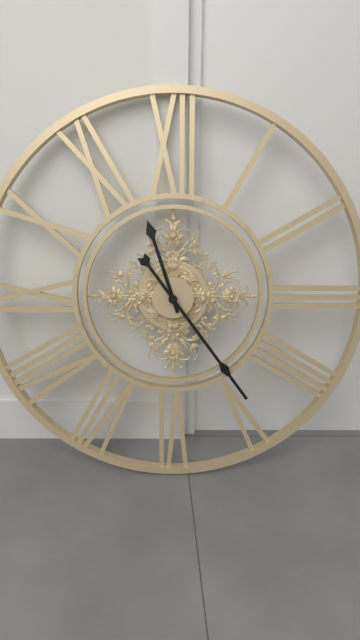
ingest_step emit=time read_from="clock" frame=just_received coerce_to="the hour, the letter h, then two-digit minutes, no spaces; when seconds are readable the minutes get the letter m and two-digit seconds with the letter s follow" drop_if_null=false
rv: 11h24
